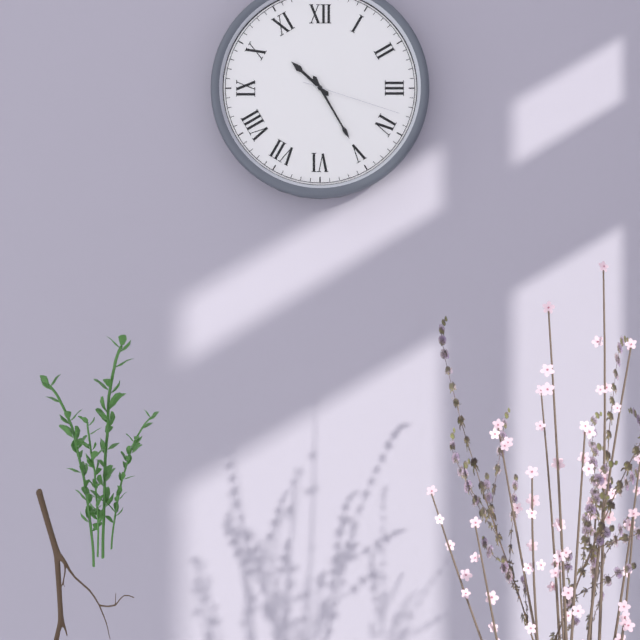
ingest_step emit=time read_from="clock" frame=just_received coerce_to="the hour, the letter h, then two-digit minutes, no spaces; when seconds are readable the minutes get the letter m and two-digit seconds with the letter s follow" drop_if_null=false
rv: 10h25m18s
